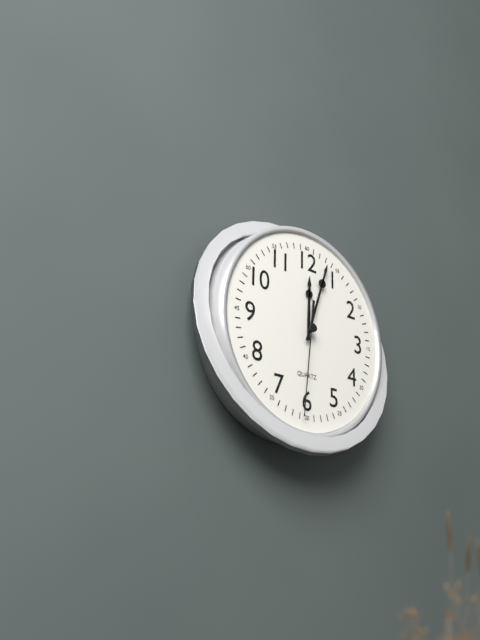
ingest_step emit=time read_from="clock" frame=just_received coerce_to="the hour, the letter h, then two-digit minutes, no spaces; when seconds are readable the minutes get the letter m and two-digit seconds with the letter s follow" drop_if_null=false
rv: 12h03m31s
